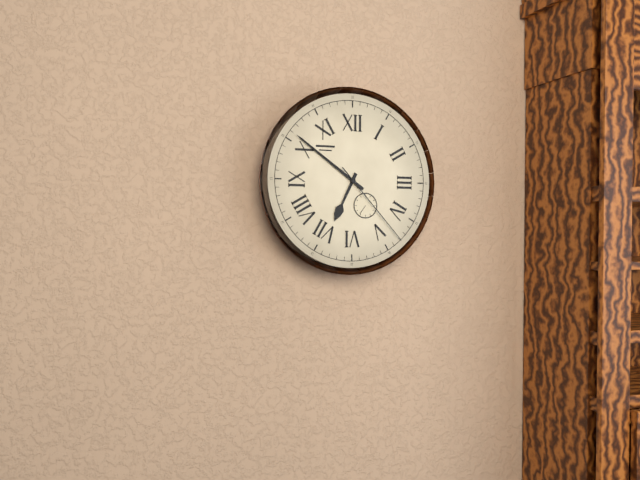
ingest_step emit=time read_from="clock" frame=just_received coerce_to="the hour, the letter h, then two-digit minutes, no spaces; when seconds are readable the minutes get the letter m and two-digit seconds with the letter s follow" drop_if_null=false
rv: 6h51m23s
